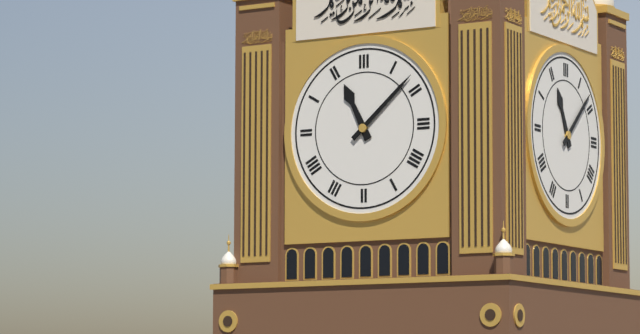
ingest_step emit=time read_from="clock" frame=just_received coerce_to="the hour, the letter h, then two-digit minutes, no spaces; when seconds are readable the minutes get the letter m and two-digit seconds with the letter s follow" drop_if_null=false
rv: 11h08
